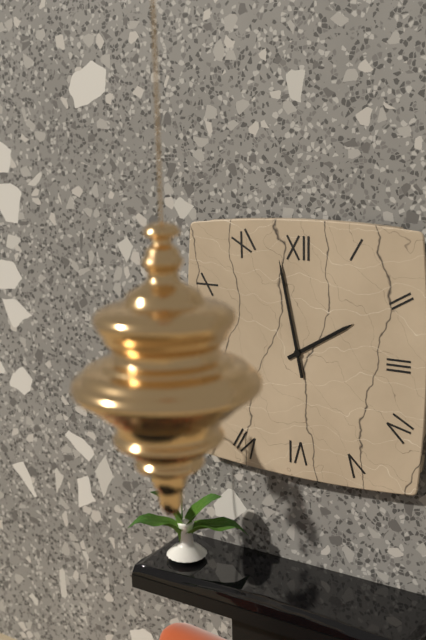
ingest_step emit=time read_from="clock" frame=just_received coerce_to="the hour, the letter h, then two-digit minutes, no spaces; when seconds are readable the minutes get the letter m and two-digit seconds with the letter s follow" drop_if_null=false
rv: 1h58
